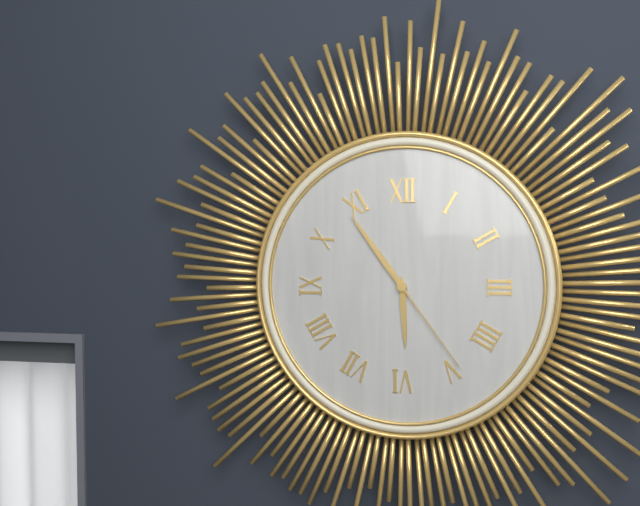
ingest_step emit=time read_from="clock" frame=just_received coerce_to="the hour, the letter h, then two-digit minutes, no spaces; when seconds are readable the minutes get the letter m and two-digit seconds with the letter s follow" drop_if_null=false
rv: 5h54m24s
